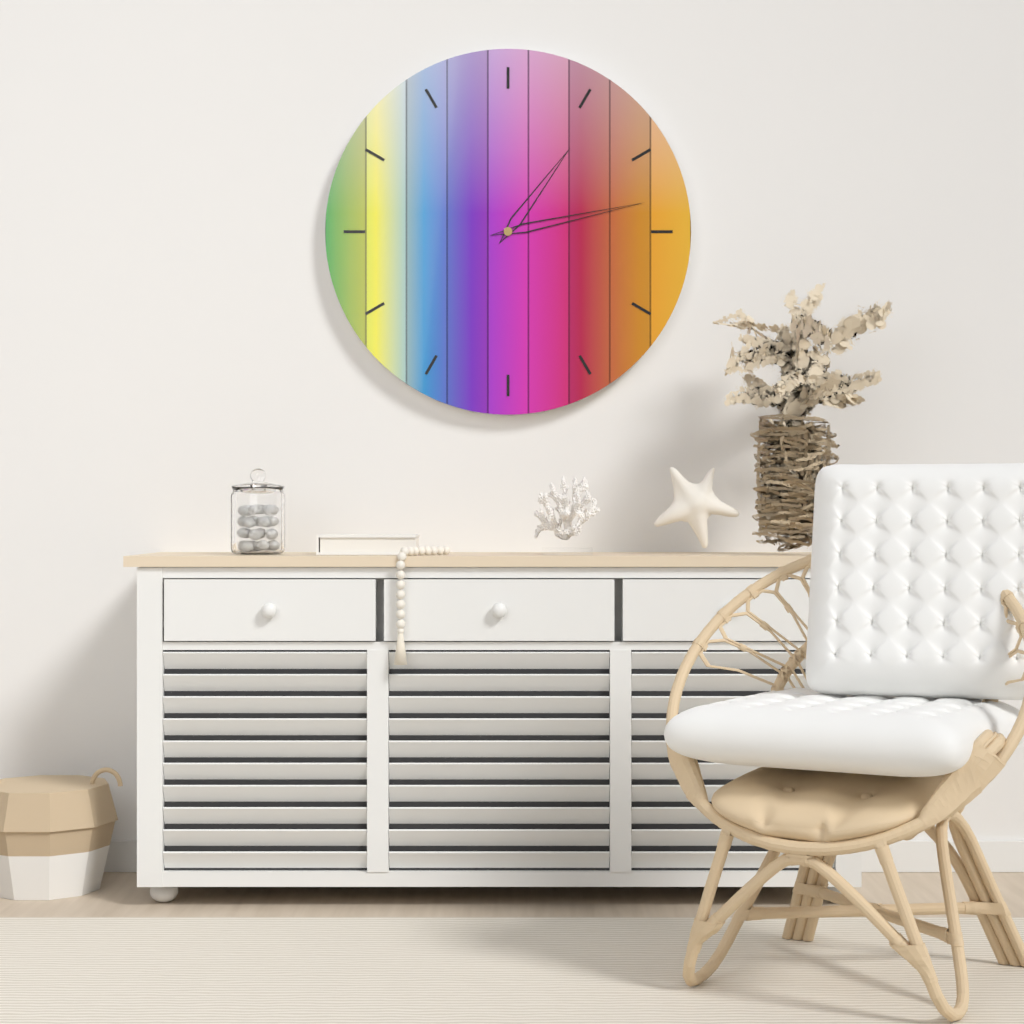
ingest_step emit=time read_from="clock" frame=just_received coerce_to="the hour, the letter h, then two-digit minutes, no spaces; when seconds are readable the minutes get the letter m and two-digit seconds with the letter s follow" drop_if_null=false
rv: 1h13
